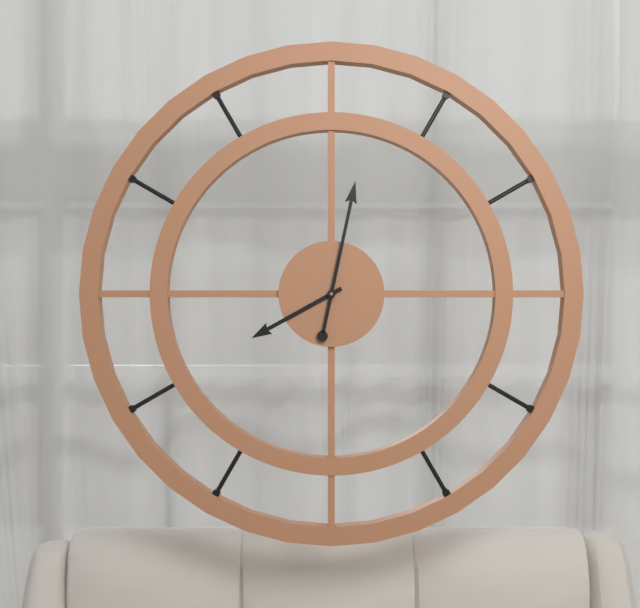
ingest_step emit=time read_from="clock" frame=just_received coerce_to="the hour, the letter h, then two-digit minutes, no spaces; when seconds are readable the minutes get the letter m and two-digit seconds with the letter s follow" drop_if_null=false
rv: 8h02
